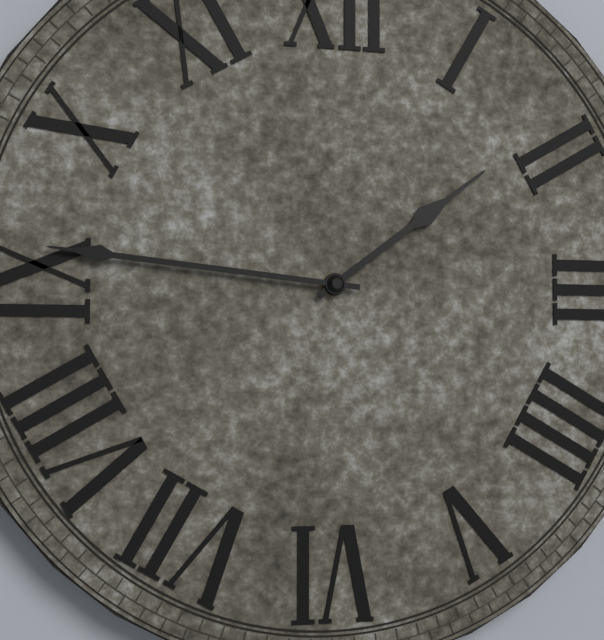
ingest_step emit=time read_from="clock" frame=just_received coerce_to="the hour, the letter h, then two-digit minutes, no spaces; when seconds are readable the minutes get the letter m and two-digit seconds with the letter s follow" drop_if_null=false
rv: 1h46
